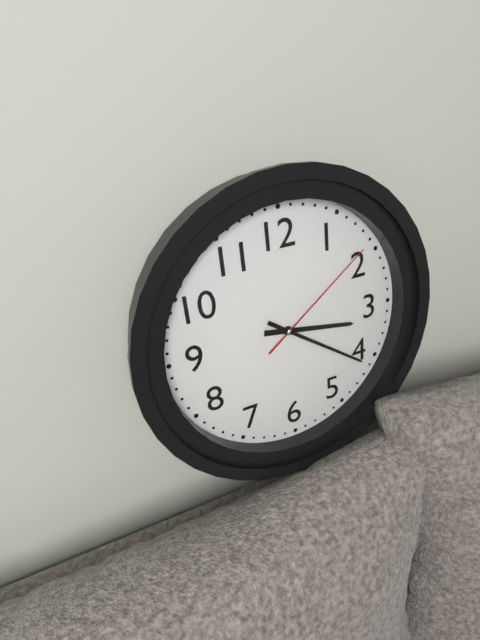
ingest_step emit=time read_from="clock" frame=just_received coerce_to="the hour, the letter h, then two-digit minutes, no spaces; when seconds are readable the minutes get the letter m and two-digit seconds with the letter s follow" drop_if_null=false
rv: 3h21m09s
